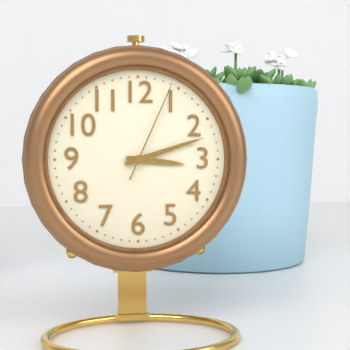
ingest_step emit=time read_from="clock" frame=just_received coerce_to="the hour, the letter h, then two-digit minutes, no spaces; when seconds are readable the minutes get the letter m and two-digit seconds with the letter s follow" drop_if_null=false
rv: 3h12m04s
